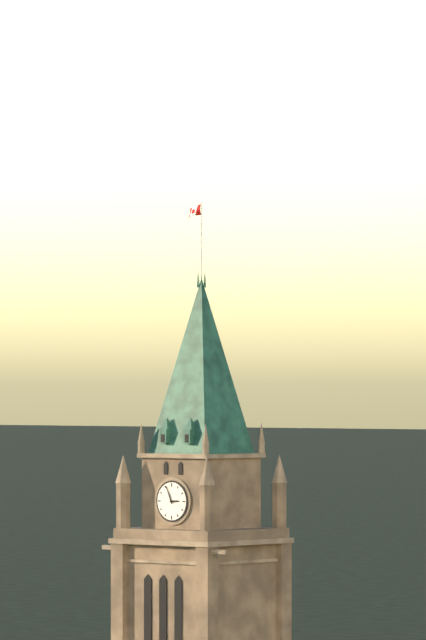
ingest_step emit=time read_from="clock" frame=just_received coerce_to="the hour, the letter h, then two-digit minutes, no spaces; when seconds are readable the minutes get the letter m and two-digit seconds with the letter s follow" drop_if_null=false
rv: 2h56
